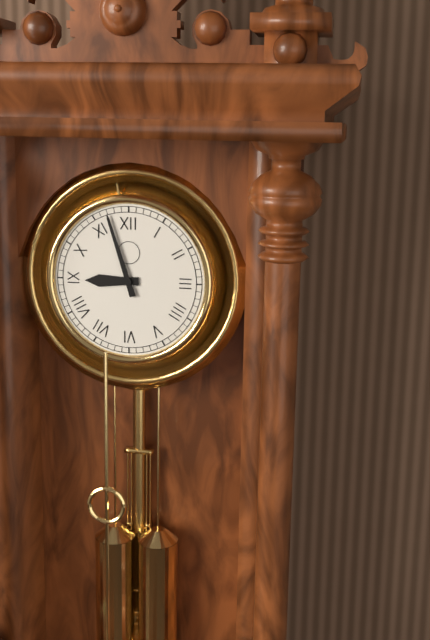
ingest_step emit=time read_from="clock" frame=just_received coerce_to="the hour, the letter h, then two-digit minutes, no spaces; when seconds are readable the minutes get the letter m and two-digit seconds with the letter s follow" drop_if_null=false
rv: 8h57
